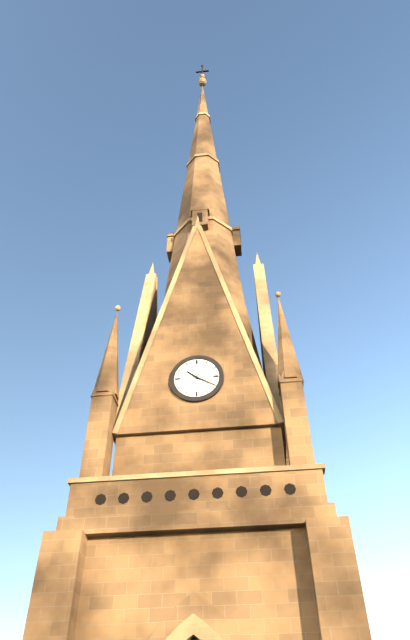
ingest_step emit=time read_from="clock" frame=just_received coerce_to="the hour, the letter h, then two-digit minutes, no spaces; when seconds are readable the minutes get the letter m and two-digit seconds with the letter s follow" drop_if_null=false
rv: 10h20
